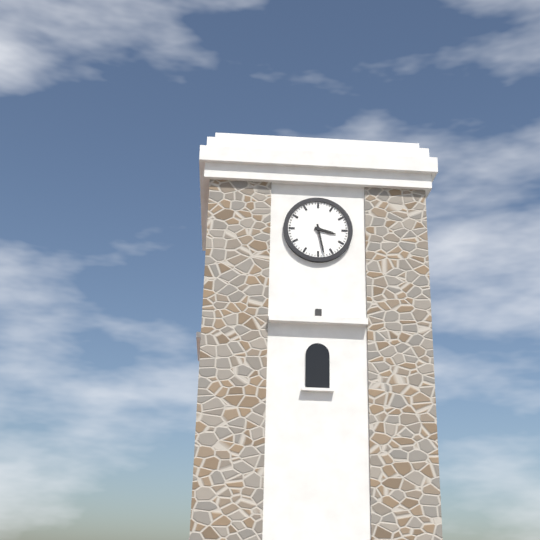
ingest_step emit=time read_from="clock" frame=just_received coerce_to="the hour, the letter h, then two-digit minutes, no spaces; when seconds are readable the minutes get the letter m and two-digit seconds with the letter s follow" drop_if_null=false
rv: 3h28
